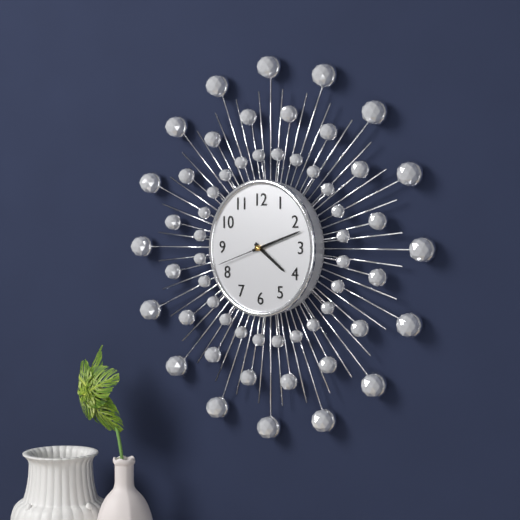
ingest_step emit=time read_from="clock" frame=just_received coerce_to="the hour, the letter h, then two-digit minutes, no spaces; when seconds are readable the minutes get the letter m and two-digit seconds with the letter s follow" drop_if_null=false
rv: 4h12m42s
